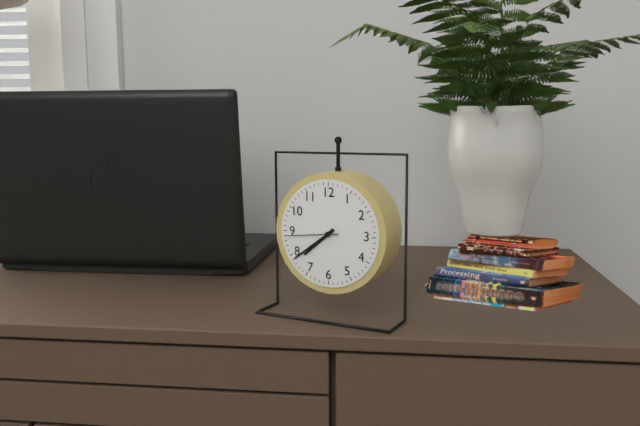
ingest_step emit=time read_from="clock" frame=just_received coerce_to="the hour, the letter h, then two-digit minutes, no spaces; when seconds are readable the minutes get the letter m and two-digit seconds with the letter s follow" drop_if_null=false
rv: 7h39m44s
